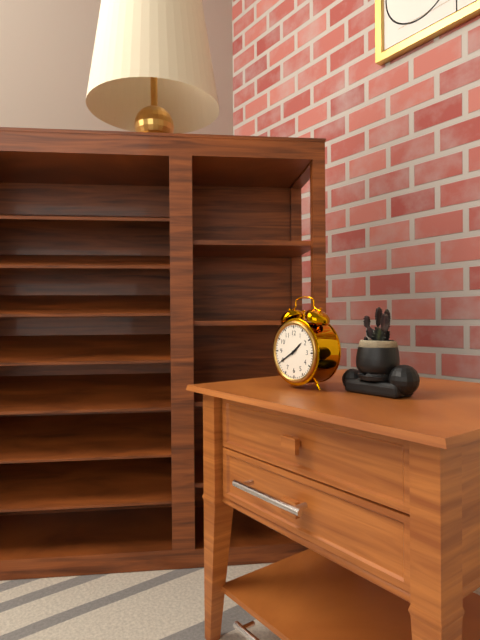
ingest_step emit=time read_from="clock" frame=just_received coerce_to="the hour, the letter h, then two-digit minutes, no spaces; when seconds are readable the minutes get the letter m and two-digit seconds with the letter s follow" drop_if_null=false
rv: 1h40
